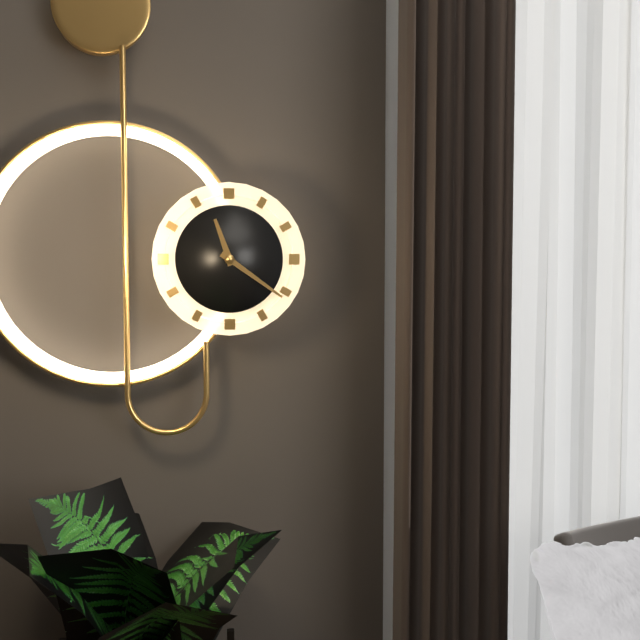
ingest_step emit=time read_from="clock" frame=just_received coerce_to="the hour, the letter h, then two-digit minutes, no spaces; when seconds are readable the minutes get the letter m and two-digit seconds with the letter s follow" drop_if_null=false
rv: 11h21
